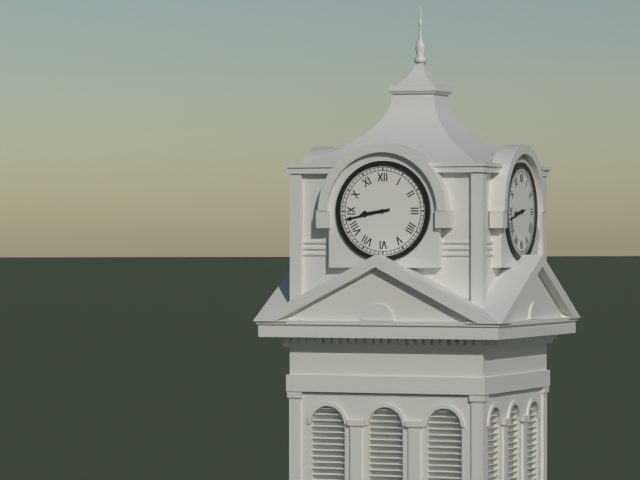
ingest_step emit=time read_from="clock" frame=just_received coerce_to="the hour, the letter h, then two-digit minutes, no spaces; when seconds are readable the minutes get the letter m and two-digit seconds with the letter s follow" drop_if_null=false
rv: 8h43
